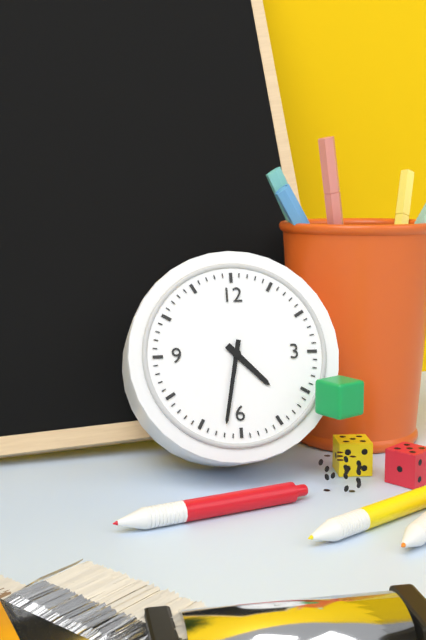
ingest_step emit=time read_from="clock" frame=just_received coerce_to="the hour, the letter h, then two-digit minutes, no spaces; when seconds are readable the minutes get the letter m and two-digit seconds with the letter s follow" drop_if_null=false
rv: 4h32
